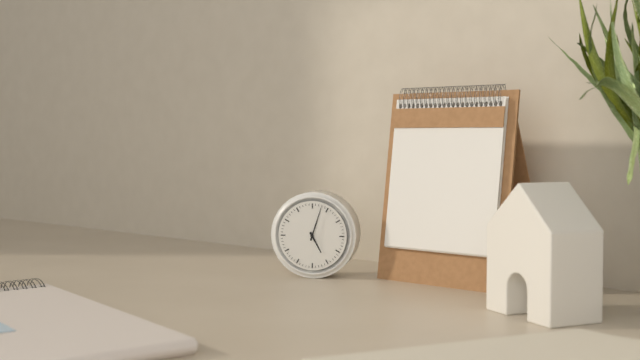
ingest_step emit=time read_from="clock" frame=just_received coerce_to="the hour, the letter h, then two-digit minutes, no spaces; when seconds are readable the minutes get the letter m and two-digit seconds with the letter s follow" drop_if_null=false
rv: 5h03
